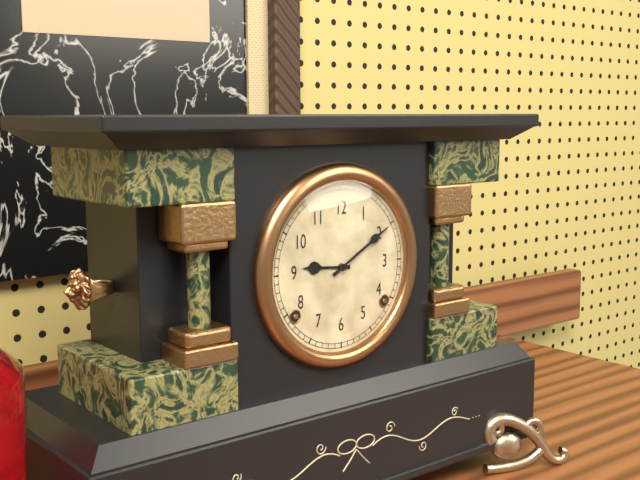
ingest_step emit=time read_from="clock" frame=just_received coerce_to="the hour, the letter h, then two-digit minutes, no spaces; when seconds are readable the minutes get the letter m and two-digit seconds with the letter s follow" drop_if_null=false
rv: 9h10
